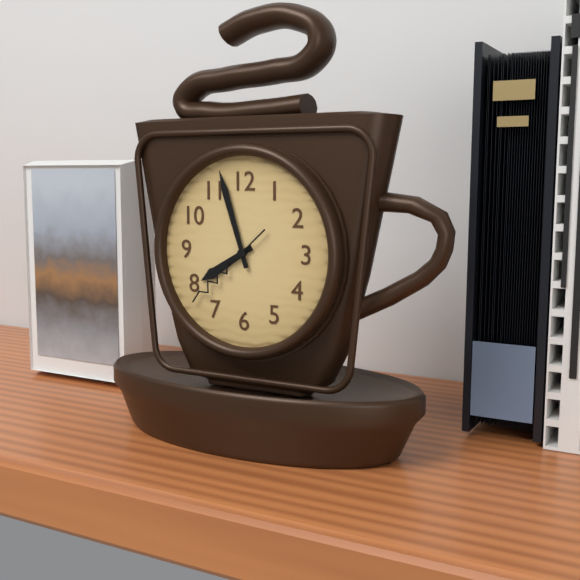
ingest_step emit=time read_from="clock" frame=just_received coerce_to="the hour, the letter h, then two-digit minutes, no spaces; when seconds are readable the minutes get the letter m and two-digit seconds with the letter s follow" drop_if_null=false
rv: 7h57m38s
